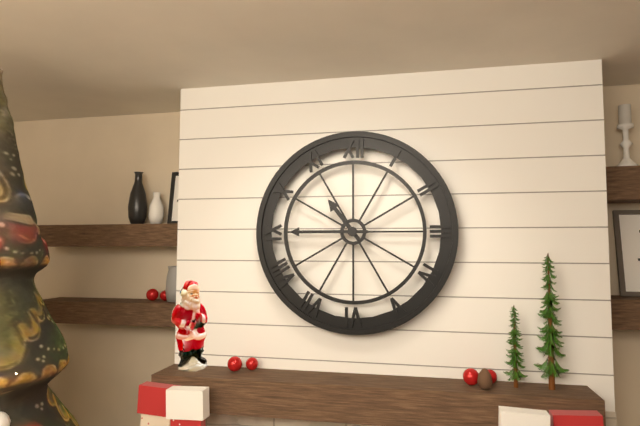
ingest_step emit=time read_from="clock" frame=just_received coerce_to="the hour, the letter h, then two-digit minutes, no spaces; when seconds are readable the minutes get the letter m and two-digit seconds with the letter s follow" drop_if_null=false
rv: 10h45
